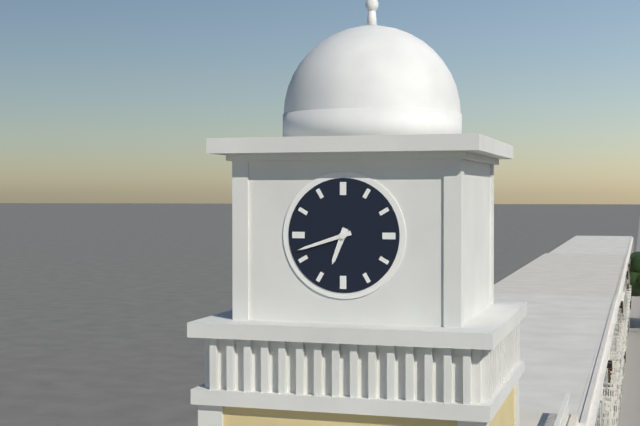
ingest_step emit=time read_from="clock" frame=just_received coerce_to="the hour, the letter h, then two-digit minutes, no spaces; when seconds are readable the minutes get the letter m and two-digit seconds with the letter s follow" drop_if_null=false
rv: 6h42
